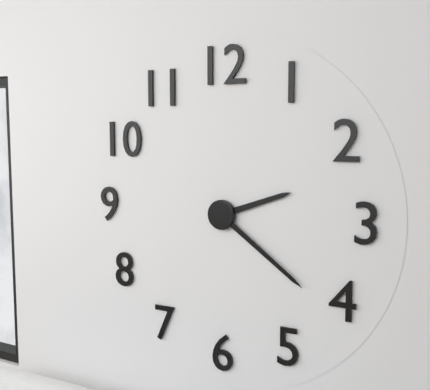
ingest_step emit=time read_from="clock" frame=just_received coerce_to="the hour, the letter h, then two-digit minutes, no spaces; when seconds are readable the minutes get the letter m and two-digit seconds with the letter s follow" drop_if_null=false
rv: 2h21
